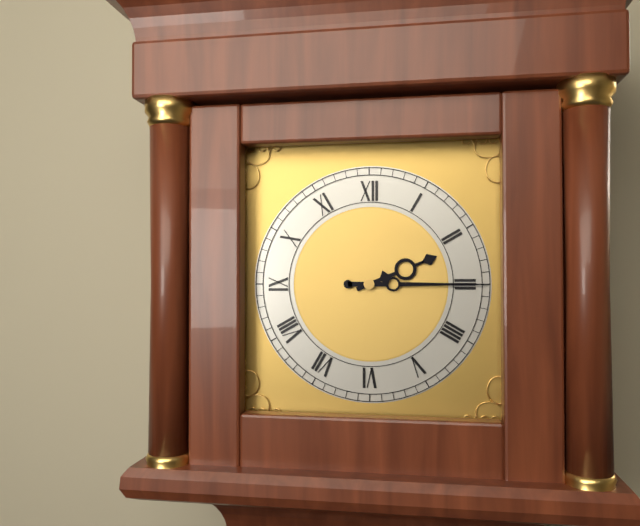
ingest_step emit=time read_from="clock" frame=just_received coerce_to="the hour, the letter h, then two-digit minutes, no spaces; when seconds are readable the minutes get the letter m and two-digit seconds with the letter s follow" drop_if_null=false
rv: 2h15
